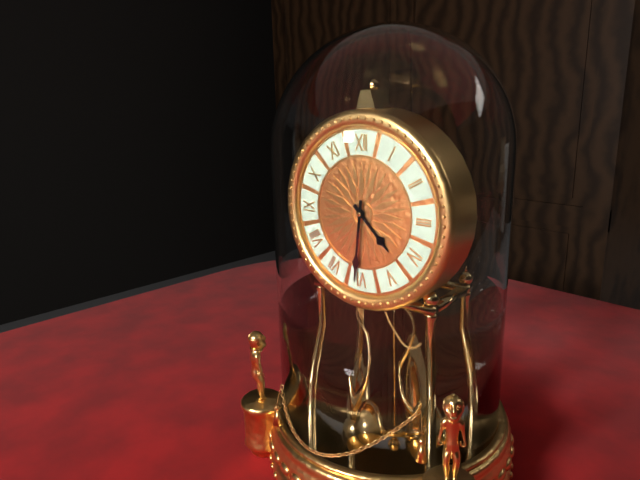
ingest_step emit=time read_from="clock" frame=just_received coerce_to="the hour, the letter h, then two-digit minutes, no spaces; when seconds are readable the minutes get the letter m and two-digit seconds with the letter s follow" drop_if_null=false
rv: 4h31
